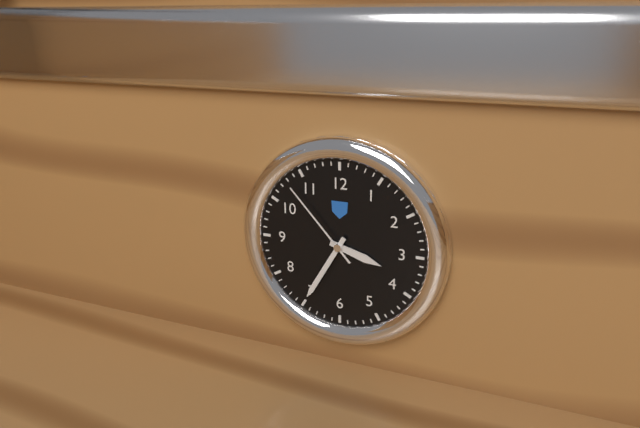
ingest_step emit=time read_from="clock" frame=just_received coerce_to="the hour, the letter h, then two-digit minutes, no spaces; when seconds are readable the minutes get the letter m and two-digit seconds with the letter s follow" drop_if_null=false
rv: 3h35m53s
